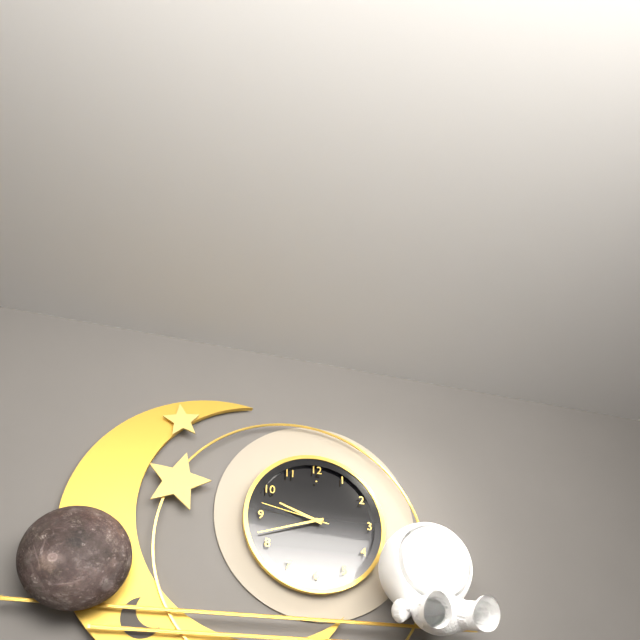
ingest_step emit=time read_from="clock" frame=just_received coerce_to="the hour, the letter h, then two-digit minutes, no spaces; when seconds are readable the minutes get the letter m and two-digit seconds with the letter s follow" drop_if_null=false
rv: 9h42m47s
